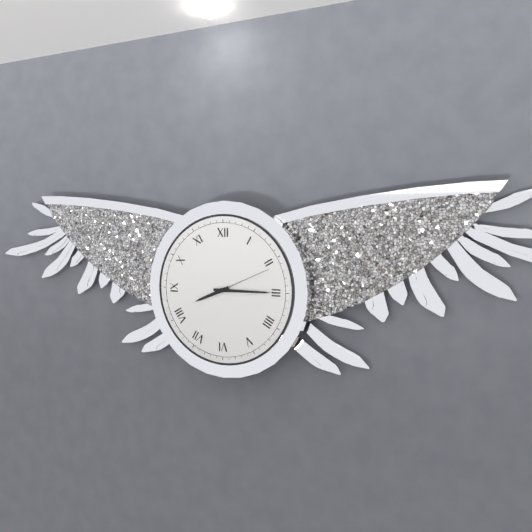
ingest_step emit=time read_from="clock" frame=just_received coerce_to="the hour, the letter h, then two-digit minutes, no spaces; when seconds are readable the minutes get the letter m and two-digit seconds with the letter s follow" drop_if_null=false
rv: 8h15
